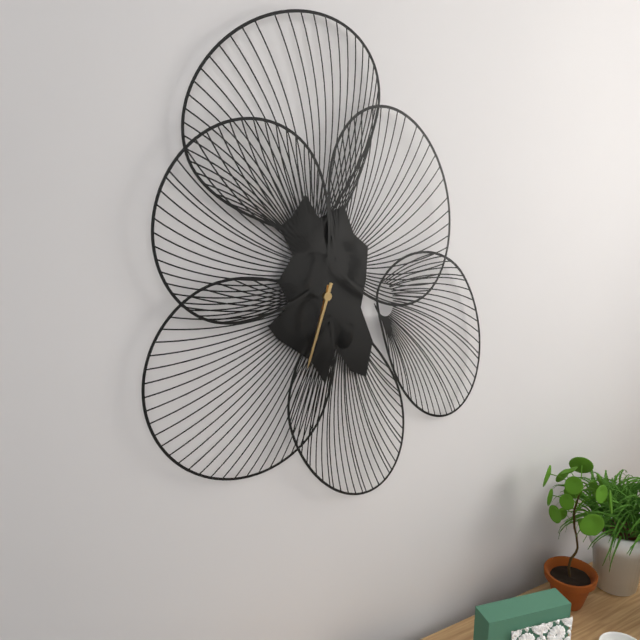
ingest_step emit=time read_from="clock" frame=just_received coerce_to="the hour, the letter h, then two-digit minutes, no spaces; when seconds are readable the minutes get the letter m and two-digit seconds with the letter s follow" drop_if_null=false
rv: 6h33
